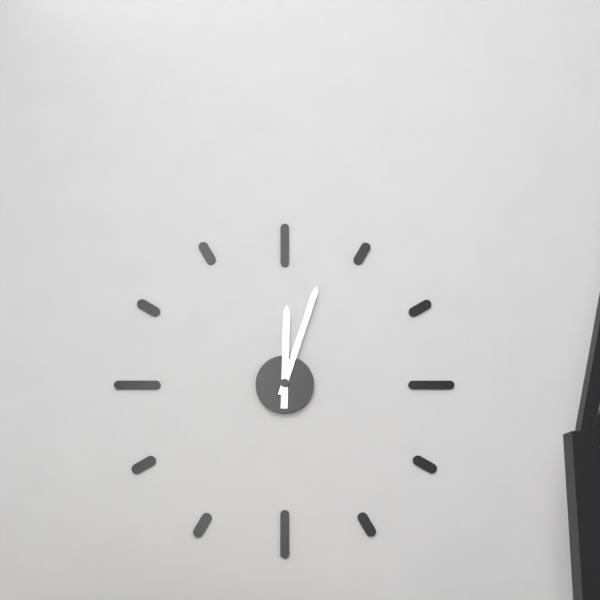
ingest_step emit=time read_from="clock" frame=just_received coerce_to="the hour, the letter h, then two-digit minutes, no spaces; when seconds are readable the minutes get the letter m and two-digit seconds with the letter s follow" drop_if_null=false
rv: 12h03
